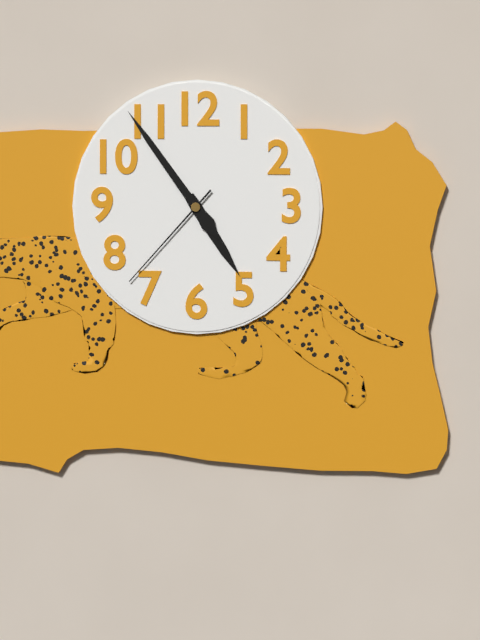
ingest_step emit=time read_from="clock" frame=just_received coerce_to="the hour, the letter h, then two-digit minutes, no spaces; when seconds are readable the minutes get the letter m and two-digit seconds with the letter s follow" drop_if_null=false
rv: 4h54m37s
